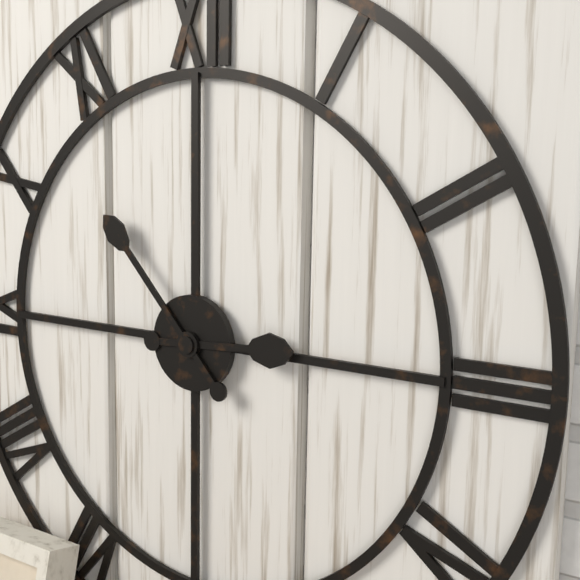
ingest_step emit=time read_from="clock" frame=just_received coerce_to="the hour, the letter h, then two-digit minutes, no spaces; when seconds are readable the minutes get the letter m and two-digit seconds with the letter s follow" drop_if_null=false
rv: 2h53
